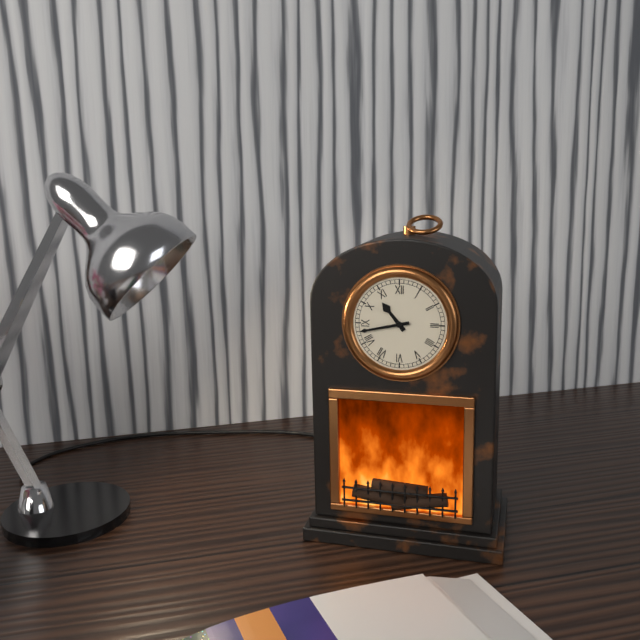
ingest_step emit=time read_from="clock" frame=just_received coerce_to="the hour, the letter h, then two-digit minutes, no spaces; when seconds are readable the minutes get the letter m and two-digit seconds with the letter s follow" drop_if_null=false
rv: 10h43
